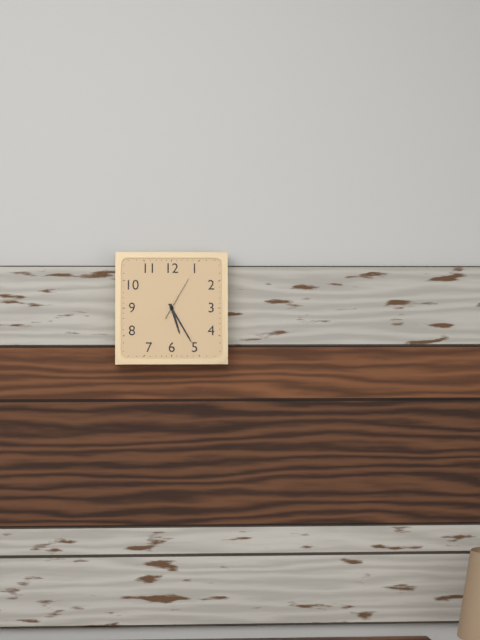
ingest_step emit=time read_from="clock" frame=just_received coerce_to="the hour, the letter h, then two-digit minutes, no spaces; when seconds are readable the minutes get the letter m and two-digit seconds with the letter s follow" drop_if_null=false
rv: 5h25
